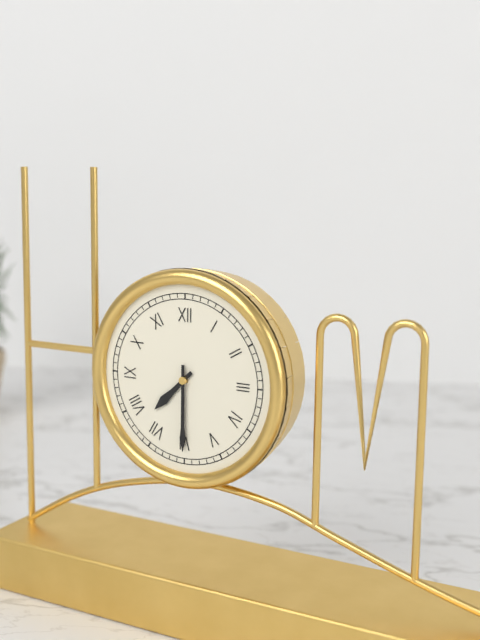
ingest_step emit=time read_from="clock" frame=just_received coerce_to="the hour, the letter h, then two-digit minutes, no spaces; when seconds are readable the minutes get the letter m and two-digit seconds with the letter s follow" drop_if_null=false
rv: 7h30
